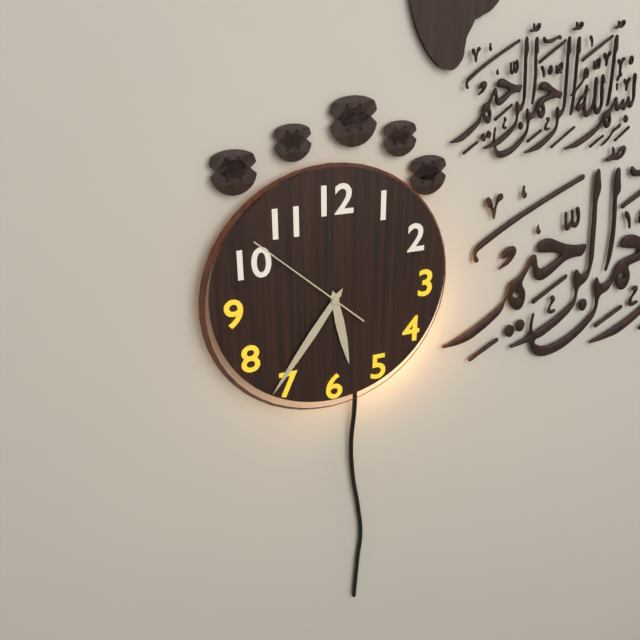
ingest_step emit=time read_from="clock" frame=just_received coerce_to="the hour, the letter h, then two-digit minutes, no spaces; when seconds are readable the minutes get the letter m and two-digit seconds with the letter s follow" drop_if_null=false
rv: 5h36m52s
